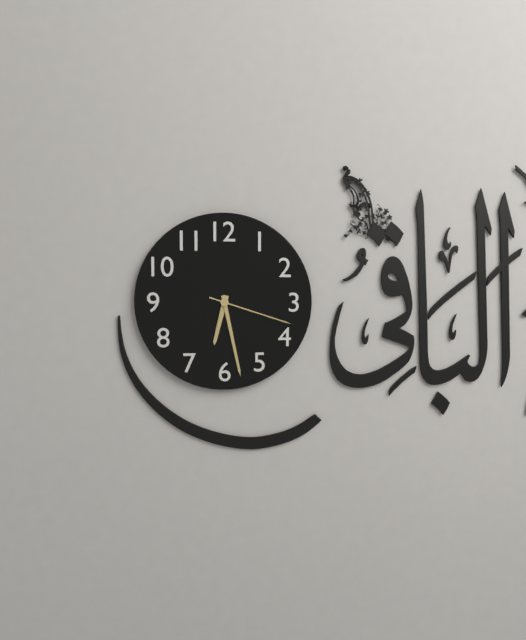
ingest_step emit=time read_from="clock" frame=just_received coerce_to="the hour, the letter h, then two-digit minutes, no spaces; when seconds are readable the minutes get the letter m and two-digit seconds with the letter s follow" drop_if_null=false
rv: 6h28m18s
